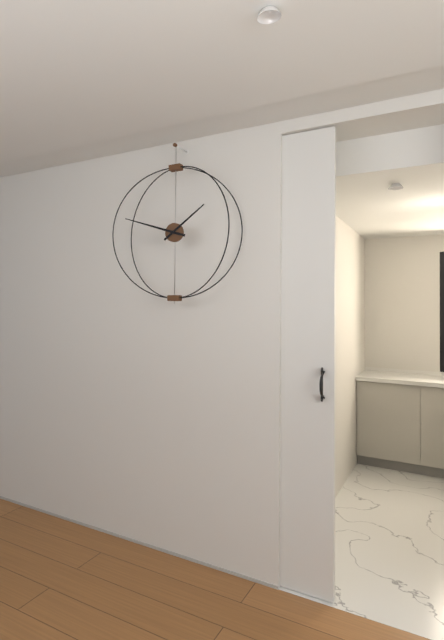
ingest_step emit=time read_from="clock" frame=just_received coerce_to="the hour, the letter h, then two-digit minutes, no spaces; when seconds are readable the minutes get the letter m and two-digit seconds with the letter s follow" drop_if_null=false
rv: 1h48
